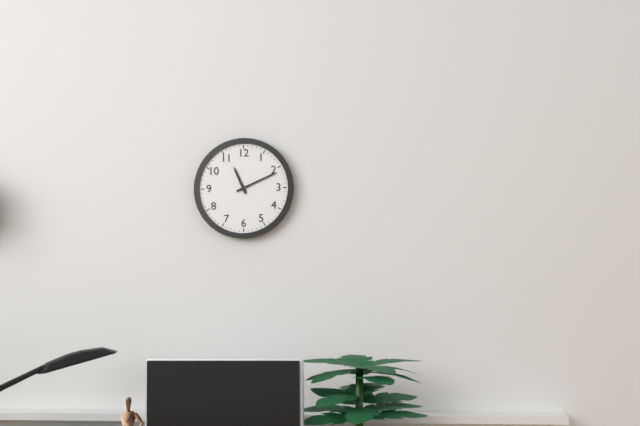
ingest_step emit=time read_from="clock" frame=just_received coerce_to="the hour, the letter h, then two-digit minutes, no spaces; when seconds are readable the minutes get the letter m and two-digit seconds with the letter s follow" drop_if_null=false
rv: 11h11
